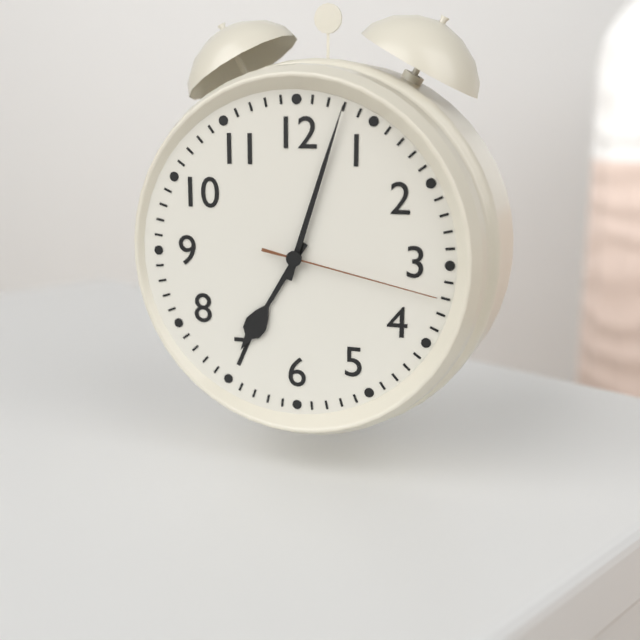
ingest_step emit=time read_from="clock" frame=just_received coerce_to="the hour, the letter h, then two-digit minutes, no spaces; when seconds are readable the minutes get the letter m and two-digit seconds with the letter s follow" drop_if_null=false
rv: 7h03m17s
